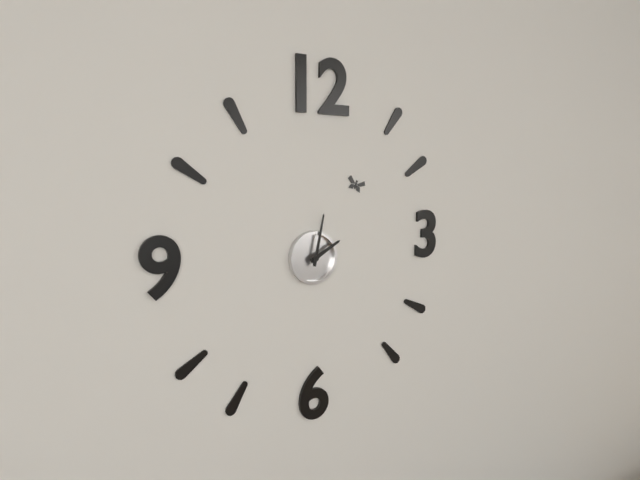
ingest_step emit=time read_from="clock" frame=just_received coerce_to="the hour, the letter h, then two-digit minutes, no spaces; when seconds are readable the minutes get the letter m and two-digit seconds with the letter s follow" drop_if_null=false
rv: 2h02
